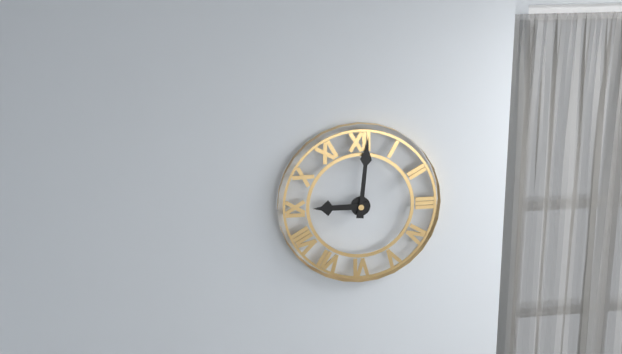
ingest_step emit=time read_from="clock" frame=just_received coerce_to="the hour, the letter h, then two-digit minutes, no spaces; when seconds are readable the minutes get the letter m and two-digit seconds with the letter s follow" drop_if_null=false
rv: 9h01
